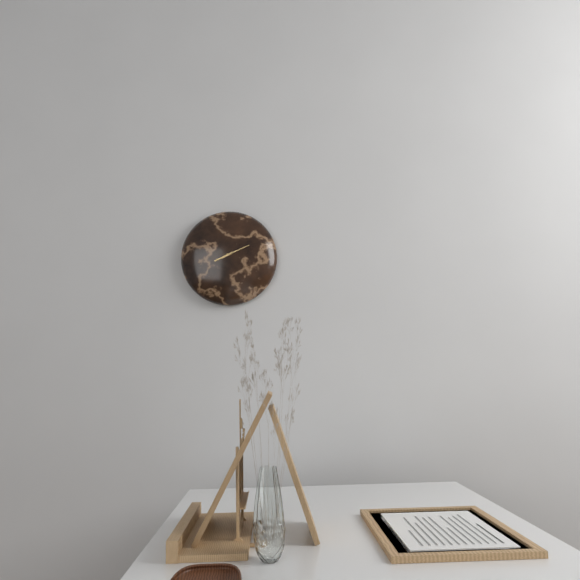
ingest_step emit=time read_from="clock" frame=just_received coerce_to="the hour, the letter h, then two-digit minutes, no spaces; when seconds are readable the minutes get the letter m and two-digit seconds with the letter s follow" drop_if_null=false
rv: 8h11
